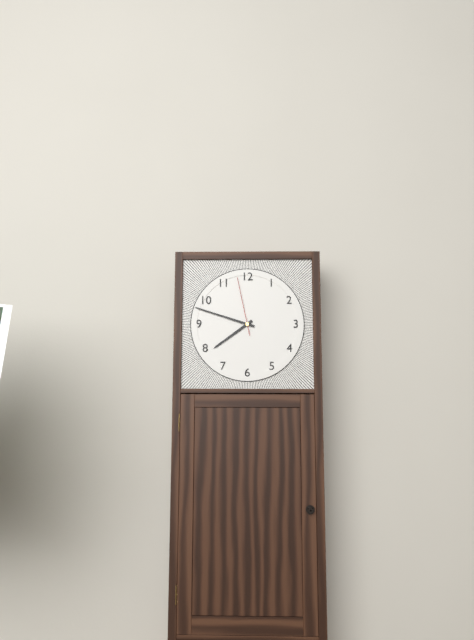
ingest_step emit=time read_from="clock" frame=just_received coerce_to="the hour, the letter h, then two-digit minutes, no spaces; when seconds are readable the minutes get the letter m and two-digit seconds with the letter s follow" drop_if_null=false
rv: 7h48m58s
